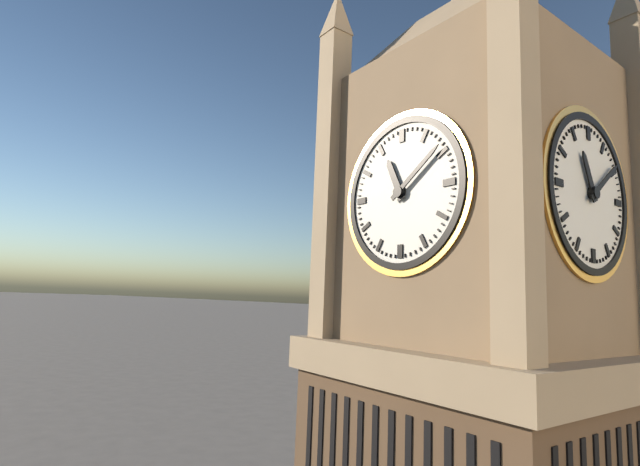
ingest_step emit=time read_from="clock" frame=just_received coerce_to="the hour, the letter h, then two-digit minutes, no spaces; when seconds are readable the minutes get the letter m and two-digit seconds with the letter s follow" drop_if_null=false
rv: 11h09
